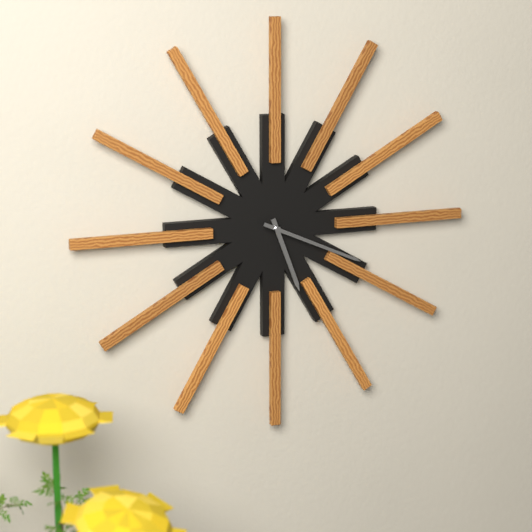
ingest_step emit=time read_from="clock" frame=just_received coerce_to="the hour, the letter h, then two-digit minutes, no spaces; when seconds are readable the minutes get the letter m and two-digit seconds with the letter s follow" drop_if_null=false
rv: 5h19
